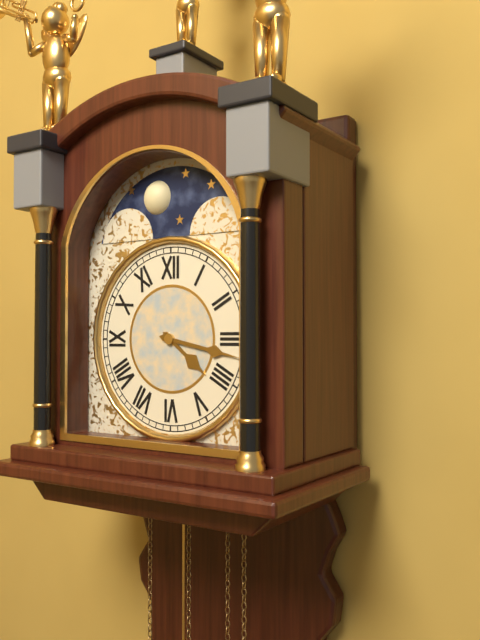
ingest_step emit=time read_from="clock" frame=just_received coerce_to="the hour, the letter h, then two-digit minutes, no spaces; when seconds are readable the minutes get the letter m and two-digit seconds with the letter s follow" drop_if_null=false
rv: 4h17
